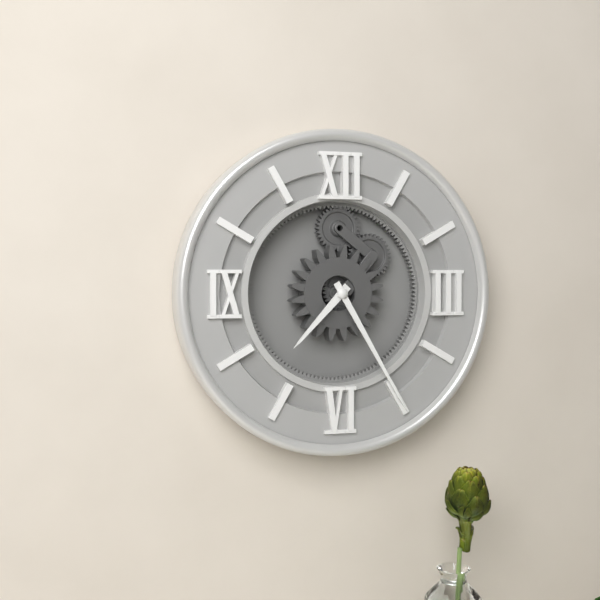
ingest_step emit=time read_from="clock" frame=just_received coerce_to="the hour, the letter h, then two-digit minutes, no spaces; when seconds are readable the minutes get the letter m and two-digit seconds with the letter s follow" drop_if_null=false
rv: 7h25
